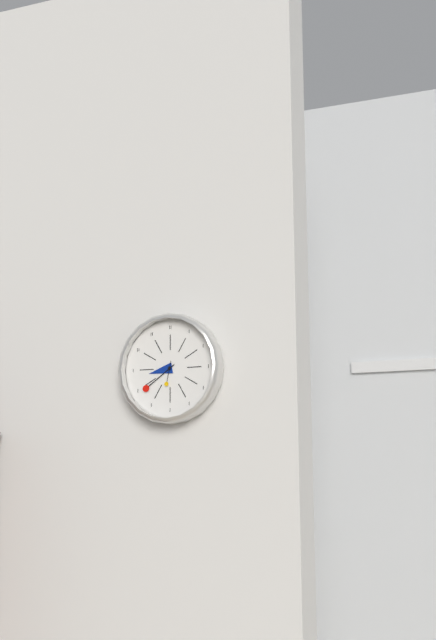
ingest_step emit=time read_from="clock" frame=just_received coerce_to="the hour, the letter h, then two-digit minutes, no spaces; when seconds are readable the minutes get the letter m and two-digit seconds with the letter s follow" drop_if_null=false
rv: 8h39
